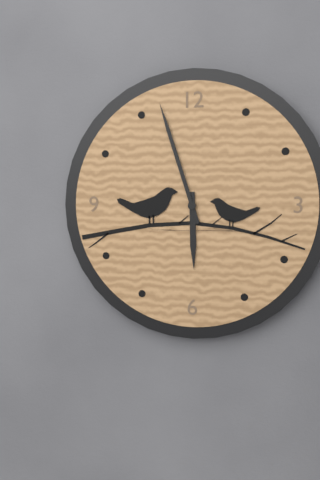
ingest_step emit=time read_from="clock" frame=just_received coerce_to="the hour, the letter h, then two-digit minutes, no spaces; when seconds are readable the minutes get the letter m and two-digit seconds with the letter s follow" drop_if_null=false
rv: 5h57
